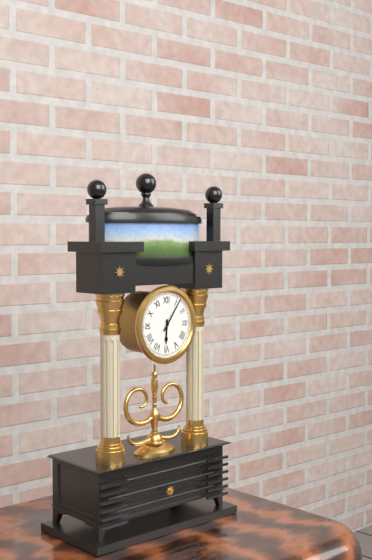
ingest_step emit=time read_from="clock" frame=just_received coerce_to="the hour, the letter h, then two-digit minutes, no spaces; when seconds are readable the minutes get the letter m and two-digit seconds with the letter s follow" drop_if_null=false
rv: 6h06
